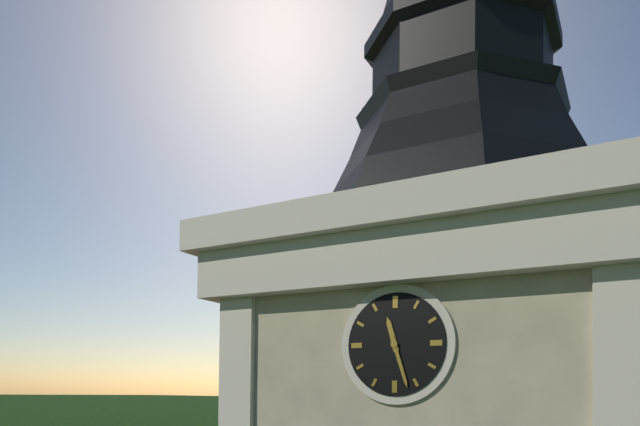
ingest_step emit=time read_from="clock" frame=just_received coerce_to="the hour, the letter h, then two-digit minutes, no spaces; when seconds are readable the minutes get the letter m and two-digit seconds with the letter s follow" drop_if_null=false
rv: 11h27
